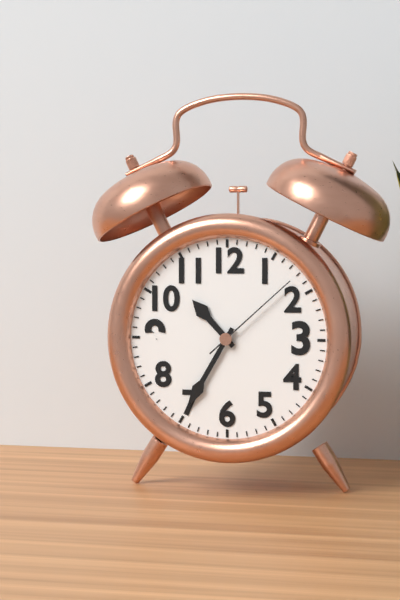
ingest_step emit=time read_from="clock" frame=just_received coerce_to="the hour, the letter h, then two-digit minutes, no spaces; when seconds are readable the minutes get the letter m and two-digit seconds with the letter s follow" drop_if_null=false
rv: 10h35m08s
